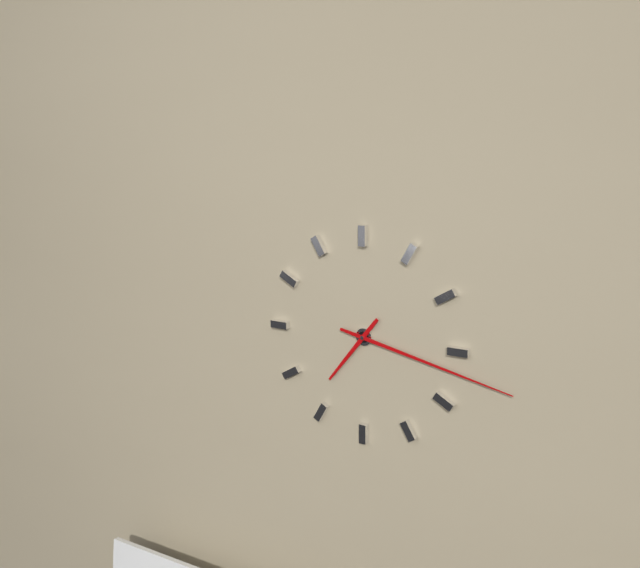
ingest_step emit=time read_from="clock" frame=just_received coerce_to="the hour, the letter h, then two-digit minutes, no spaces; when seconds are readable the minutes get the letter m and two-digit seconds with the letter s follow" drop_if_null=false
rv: 7h17
